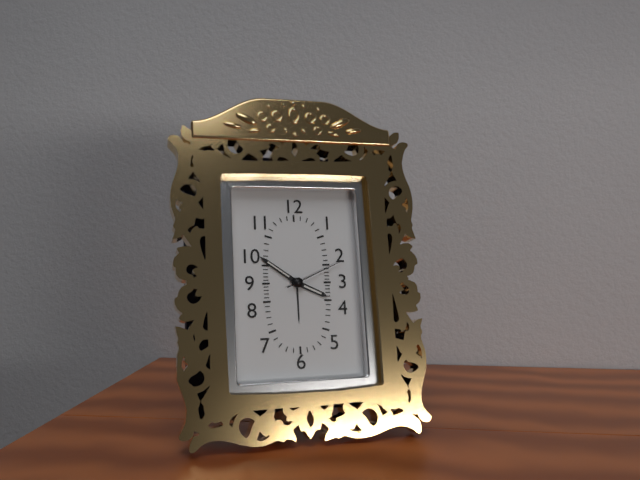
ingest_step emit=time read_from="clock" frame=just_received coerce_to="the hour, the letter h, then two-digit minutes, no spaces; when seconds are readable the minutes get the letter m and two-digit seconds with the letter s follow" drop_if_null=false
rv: 3h51m11s
